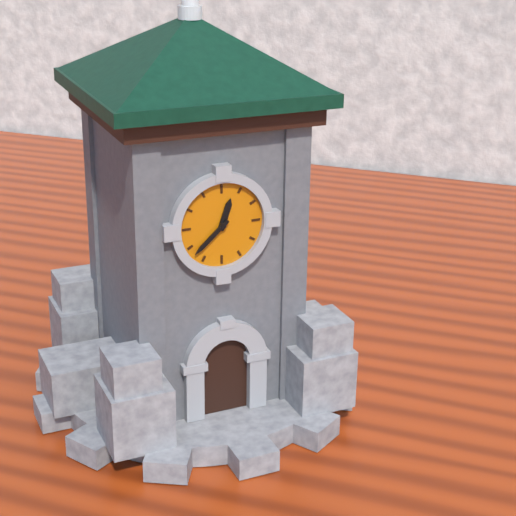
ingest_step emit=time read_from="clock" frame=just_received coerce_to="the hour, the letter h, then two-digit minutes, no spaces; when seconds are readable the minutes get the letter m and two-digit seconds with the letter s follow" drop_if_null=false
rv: 12h38
